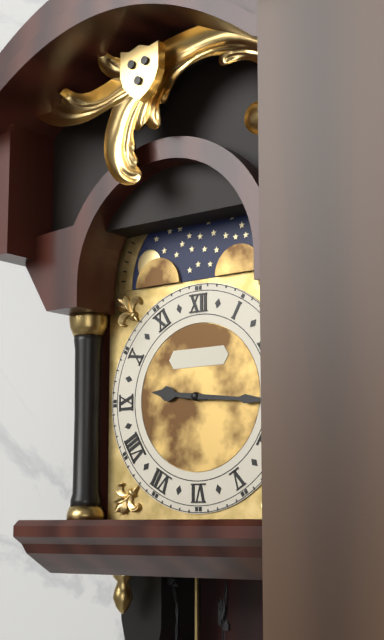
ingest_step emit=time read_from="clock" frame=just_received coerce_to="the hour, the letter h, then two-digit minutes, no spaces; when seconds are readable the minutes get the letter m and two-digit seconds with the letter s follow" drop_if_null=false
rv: 9h16
